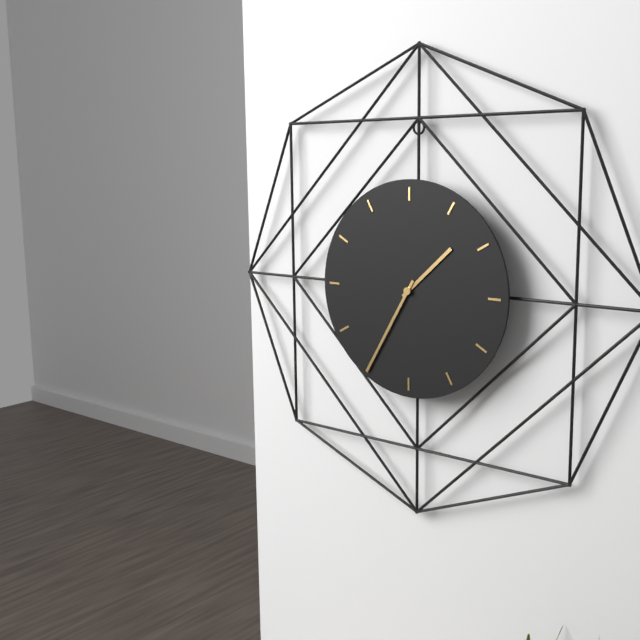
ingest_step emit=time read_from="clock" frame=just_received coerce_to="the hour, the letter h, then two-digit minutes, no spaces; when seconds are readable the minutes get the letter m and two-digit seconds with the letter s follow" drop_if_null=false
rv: 1h35
